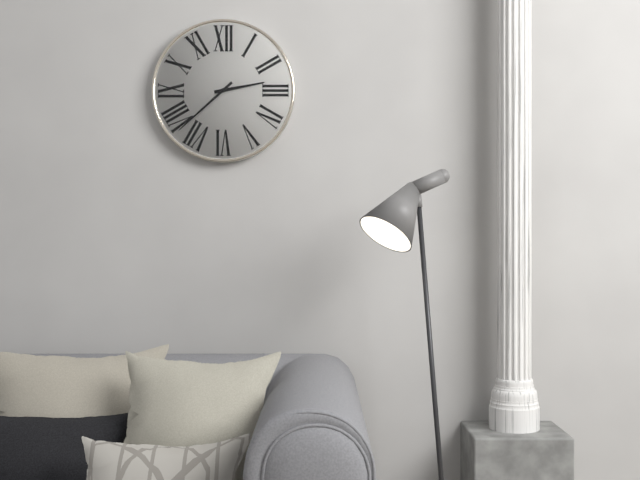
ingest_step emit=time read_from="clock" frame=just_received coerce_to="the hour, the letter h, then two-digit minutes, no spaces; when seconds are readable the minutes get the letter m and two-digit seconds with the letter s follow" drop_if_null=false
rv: 2h38
